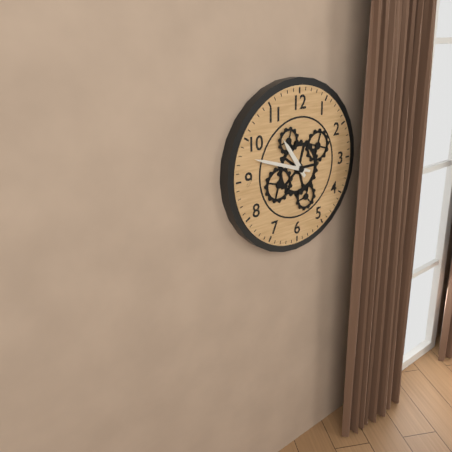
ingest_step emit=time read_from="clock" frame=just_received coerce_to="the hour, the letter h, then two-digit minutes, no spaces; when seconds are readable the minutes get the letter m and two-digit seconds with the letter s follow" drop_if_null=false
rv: 10h48
